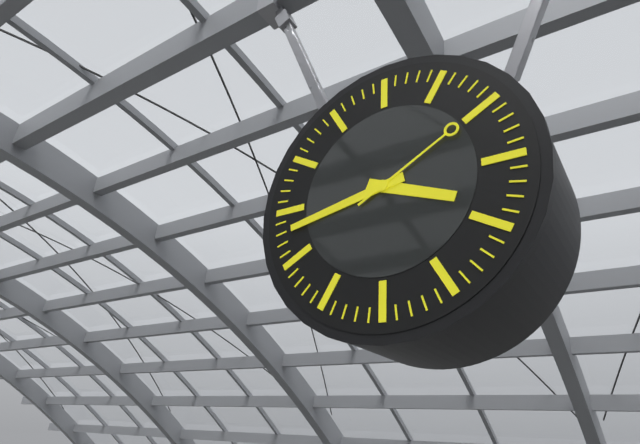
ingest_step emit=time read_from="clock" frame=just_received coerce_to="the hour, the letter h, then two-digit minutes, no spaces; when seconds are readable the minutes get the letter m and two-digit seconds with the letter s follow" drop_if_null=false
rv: 3h43m10s
